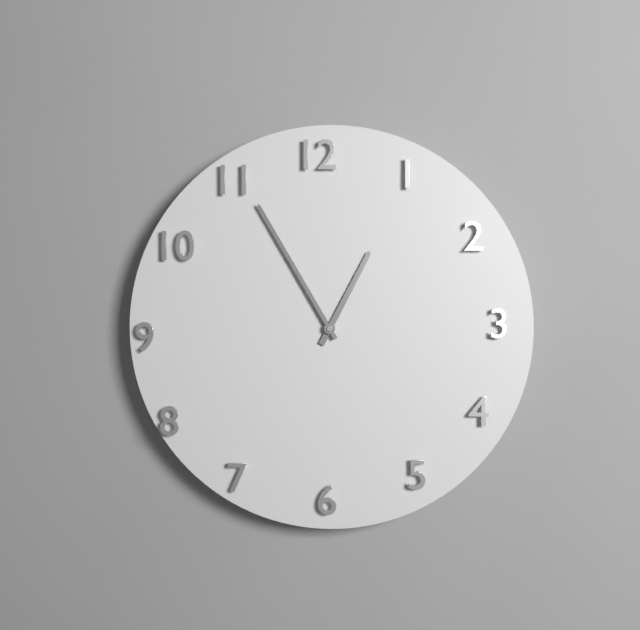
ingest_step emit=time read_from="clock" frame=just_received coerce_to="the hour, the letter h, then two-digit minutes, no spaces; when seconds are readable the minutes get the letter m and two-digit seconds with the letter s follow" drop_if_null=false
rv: 12h55
